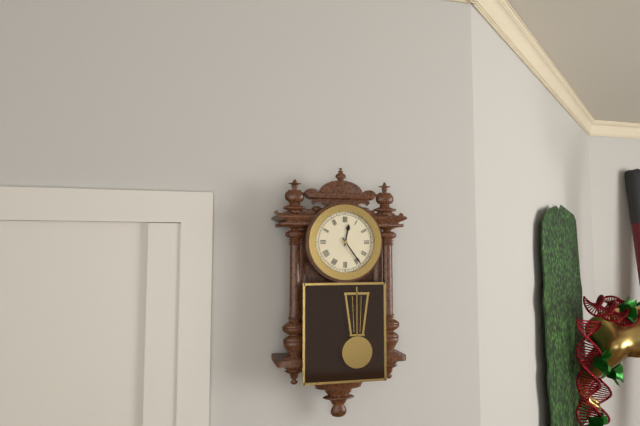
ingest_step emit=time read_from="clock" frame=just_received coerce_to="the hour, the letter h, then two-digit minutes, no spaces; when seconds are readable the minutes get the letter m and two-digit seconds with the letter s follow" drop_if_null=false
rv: 12h24
